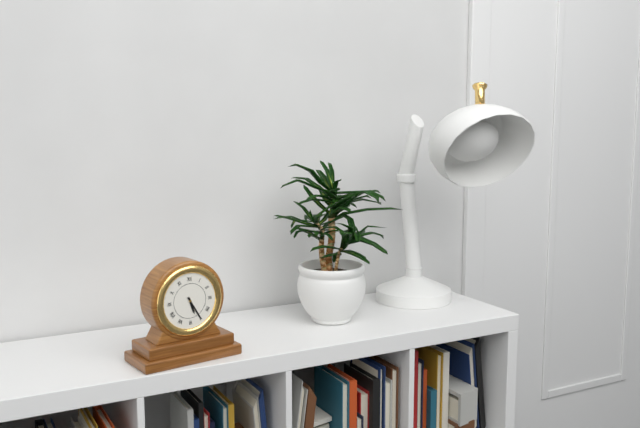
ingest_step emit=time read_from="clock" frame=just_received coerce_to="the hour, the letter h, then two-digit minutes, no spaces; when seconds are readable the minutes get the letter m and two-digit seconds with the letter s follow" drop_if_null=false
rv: 5h25
